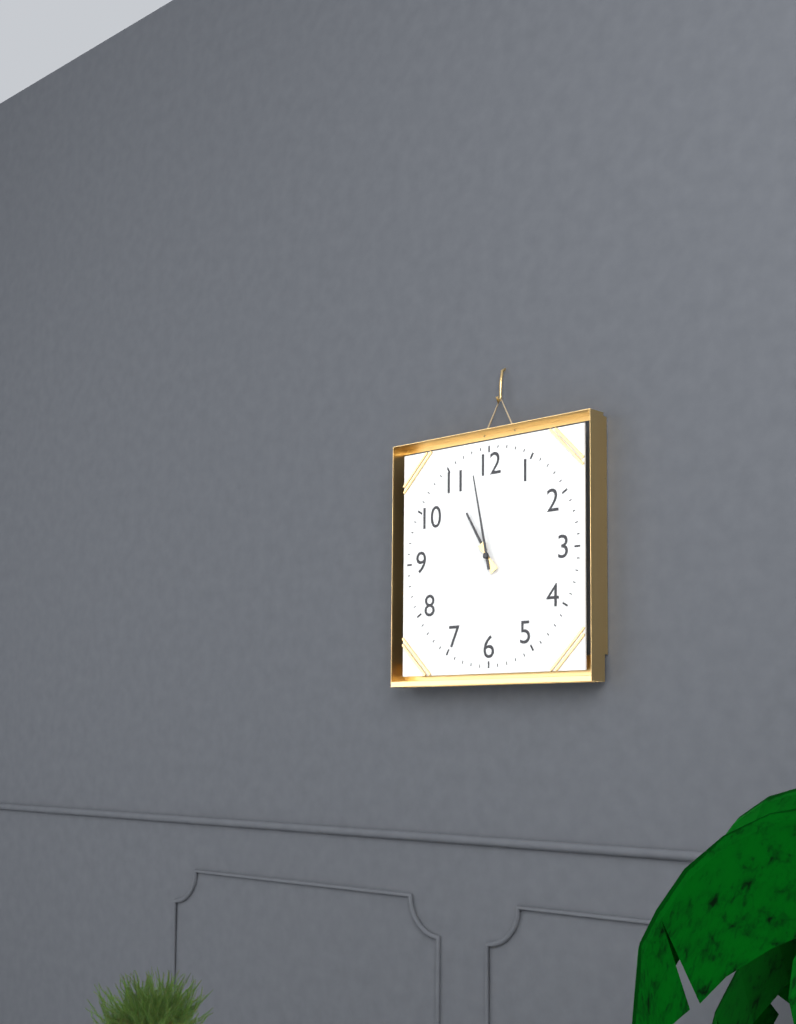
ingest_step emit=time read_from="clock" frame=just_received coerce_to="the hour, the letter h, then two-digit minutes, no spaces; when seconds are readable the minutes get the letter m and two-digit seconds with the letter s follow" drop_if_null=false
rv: 10h58
